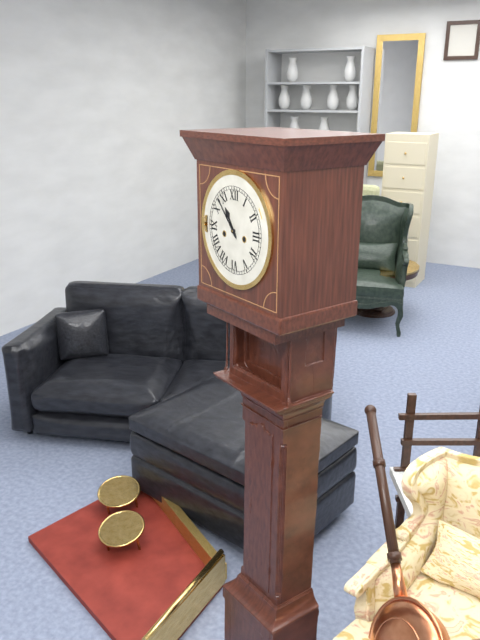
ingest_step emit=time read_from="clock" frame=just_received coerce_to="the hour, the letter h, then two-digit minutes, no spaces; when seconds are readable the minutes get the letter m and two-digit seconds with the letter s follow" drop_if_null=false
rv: 10h53
